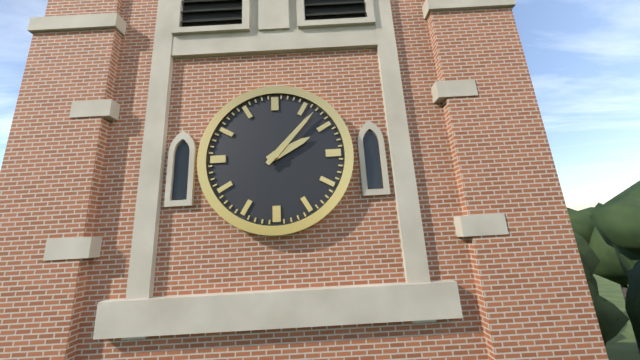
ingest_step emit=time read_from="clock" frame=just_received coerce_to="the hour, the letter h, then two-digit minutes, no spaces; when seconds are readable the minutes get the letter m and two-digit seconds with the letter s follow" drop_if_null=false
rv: 2h07
